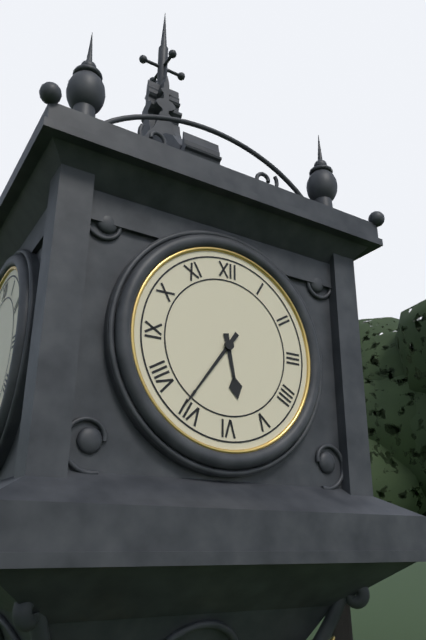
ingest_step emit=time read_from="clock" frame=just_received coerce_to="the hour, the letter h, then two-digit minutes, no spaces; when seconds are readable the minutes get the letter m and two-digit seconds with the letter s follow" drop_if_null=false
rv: 5h36
